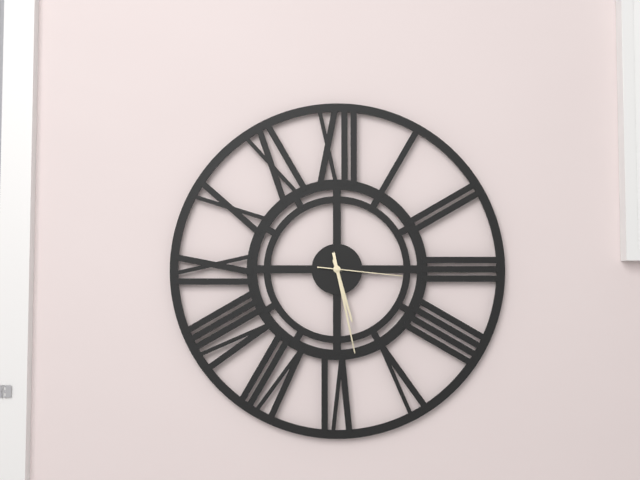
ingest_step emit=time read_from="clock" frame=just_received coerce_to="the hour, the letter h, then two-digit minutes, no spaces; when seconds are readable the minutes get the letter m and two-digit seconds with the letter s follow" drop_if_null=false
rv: 5h28m16s
